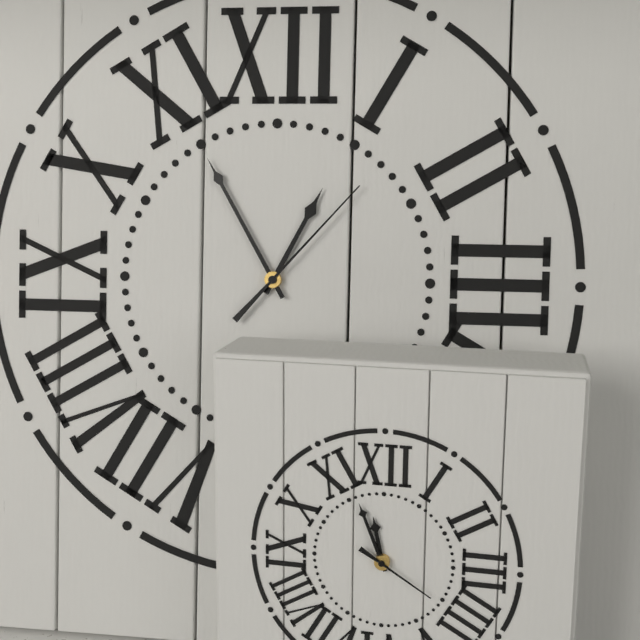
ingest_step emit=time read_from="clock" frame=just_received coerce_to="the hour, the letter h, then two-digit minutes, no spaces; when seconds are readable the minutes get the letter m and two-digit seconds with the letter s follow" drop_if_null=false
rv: 12h55m07s
